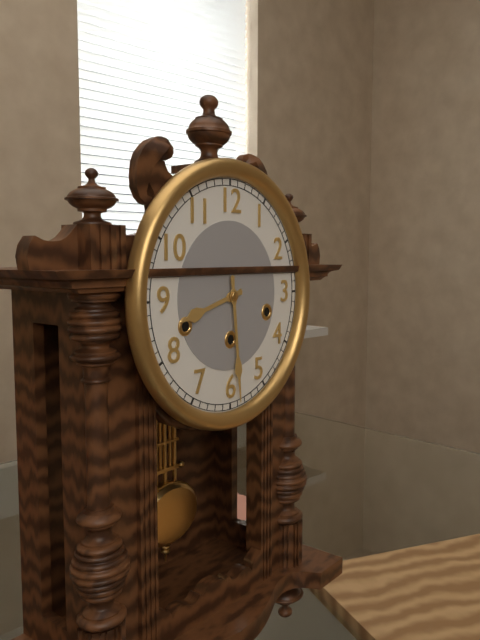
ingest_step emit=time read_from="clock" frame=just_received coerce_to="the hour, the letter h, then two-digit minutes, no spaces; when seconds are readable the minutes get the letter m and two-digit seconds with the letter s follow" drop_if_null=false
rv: 8h29
